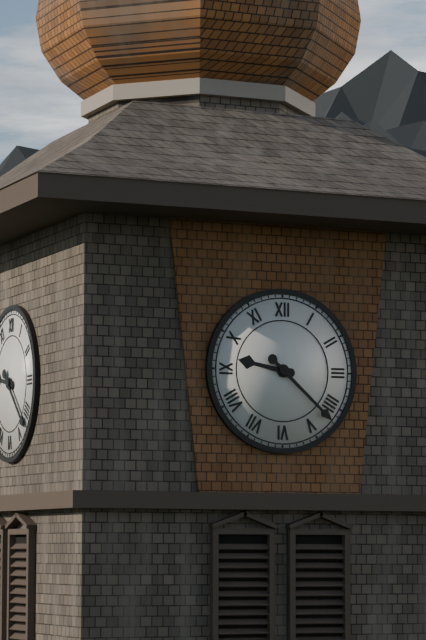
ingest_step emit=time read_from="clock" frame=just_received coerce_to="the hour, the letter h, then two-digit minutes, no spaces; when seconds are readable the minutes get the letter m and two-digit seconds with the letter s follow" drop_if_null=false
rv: 9h22
